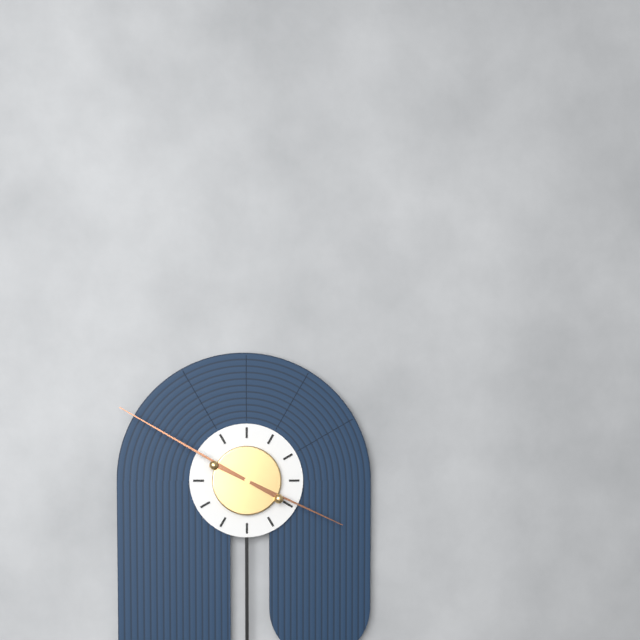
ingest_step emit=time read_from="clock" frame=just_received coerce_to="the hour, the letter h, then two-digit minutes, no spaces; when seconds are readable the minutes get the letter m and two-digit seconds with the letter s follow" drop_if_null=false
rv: 3h50
